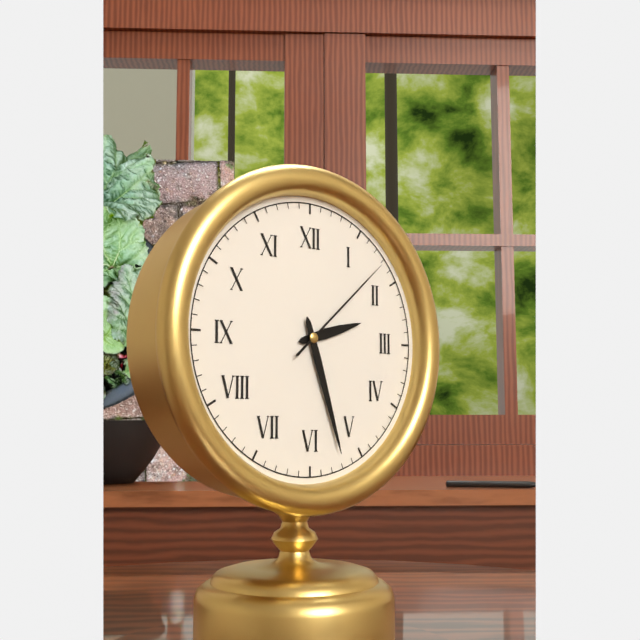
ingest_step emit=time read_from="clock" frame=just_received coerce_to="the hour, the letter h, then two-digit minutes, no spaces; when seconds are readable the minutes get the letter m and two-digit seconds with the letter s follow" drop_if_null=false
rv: 2h27m08s
